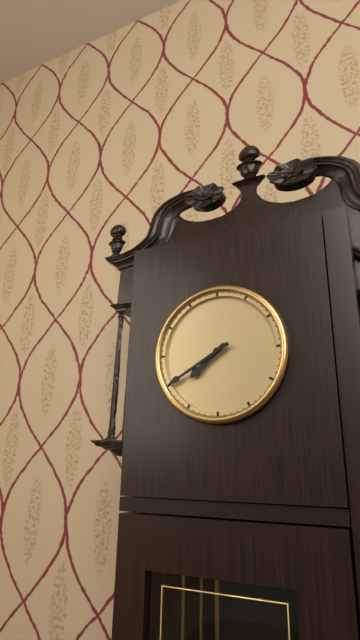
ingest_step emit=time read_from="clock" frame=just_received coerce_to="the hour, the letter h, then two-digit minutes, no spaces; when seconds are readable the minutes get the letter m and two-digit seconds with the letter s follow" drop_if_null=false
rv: 7h40
